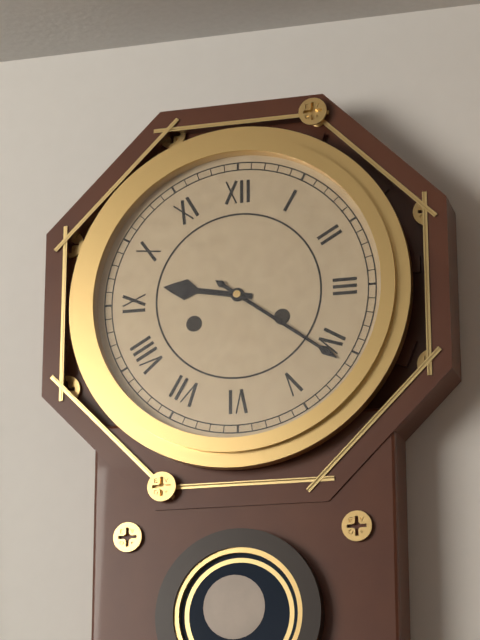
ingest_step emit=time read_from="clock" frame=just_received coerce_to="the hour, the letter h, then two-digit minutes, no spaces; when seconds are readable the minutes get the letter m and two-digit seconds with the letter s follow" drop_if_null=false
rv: 9h21
